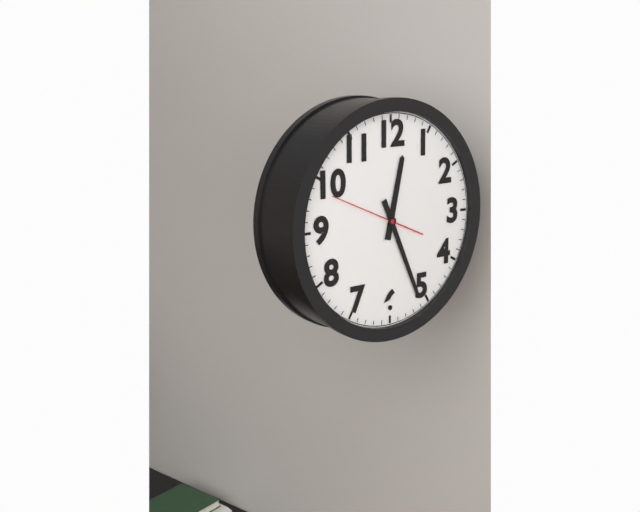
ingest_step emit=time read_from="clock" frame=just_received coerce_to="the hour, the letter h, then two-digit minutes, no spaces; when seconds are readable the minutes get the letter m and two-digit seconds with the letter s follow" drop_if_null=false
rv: 12h26m49s
